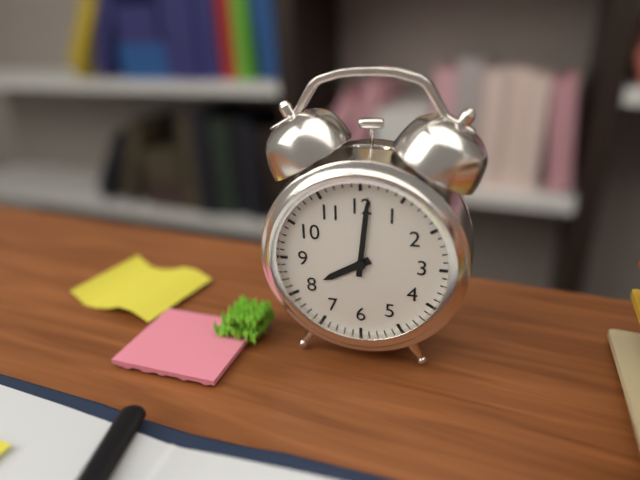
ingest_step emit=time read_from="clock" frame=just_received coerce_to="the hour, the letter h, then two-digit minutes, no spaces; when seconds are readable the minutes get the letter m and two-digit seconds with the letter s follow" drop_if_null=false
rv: 8h01
